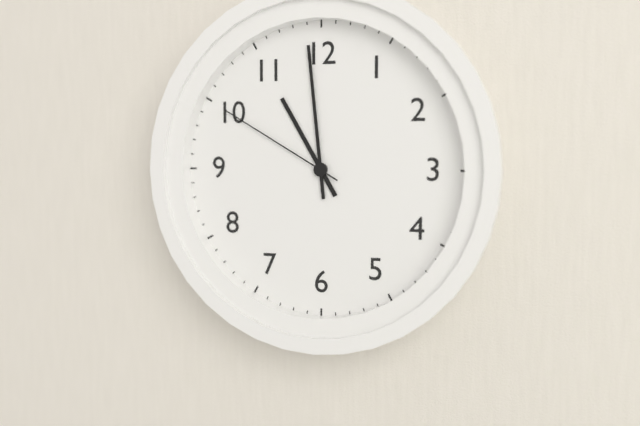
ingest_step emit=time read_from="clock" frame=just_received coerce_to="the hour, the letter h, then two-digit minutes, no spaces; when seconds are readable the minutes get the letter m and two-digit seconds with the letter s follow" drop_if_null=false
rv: 10h59m50s
